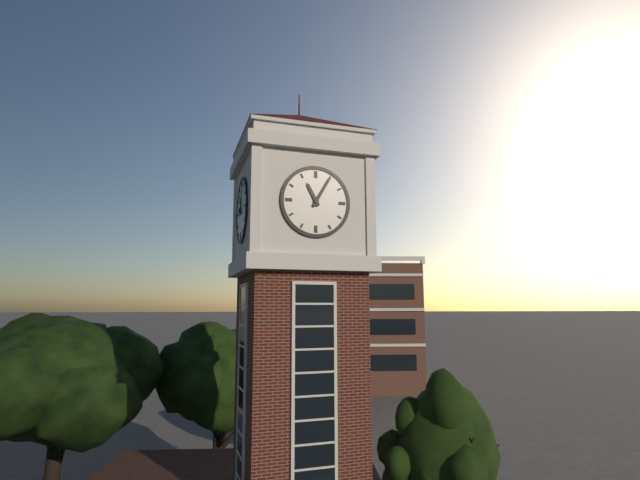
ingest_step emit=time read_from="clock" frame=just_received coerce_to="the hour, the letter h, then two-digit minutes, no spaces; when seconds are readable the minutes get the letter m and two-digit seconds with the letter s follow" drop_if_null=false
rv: 11h05
